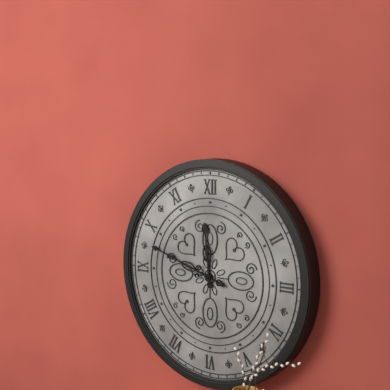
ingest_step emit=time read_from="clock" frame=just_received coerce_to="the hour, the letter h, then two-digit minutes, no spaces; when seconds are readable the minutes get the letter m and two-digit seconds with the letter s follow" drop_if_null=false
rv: 11h48
